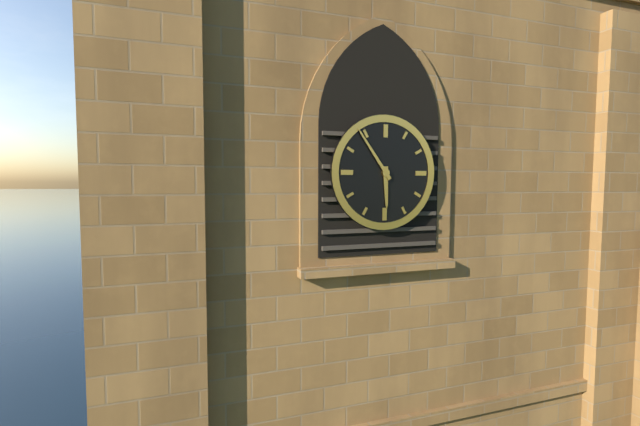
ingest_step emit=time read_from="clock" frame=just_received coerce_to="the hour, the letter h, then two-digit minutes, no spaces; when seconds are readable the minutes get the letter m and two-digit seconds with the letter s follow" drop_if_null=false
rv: 5h54
